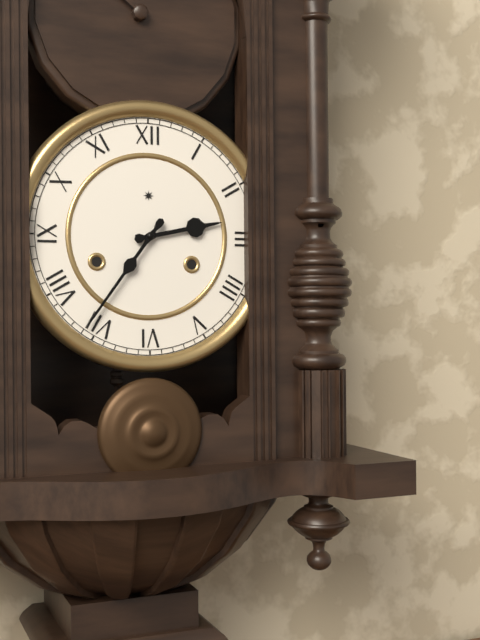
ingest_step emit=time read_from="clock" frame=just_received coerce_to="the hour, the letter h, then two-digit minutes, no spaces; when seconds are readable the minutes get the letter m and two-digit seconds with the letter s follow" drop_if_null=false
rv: 2h36
